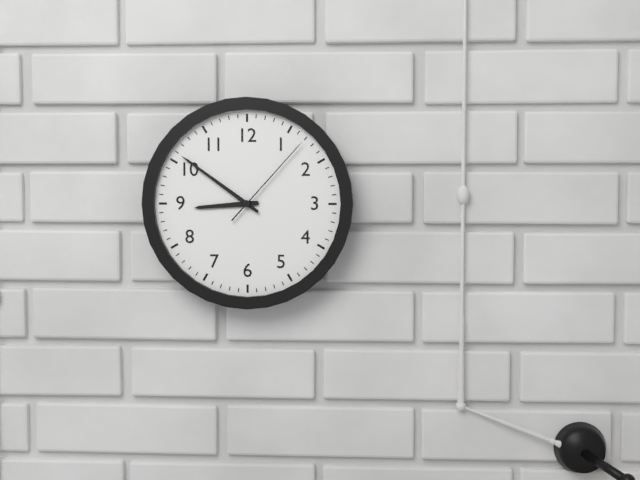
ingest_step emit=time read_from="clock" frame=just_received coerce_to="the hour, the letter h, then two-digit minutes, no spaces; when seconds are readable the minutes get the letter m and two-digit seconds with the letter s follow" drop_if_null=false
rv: 8h51m07s
